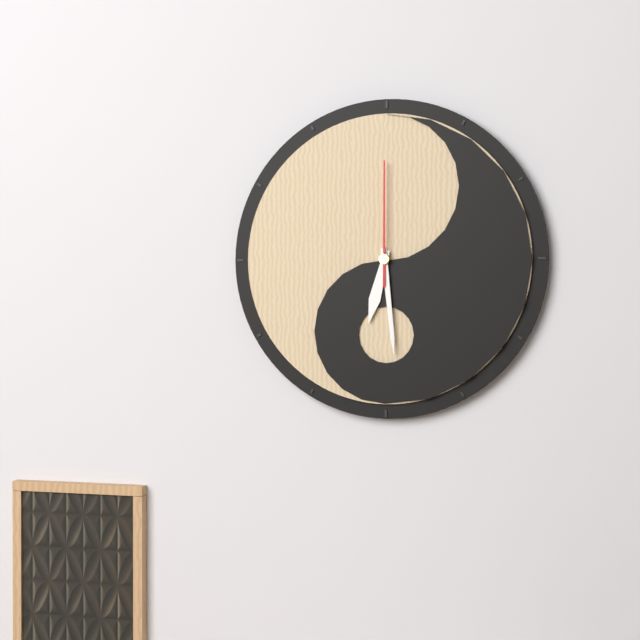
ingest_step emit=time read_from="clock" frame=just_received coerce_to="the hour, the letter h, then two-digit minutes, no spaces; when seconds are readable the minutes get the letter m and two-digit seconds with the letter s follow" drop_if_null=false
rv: 6h29m00s
